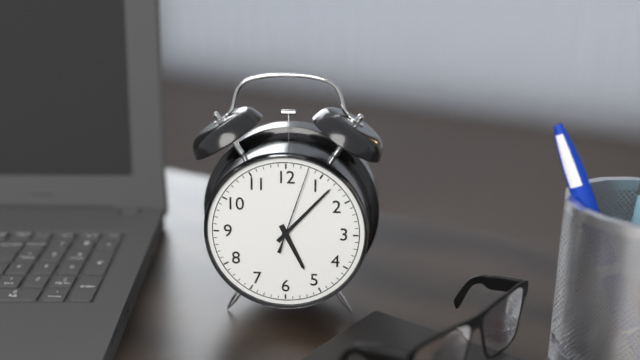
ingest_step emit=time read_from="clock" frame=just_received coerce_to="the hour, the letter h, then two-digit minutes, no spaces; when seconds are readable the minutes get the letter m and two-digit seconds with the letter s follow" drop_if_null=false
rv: 5h07m03s
